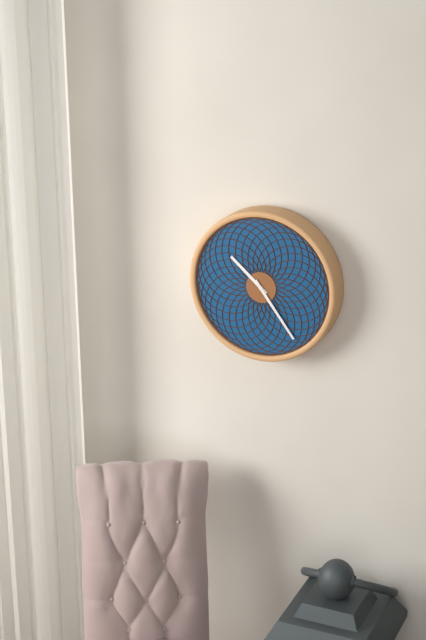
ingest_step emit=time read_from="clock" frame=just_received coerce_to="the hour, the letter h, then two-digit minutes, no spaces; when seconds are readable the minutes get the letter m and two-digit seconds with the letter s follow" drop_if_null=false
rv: 10h24
